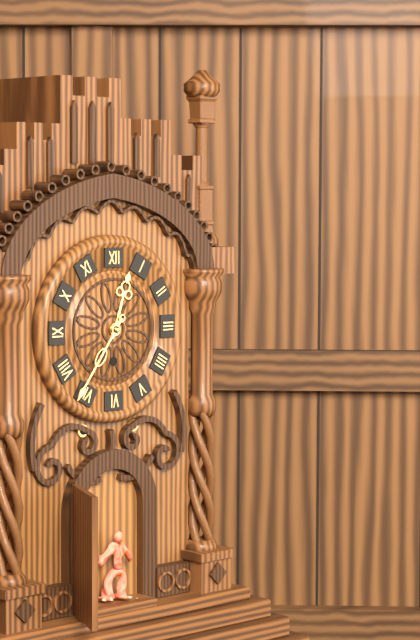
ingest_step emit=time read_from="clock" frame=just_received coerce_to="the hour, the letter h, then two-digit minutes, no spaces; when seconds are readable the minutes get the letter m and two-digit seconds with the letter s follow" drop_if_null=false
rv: 12h36
